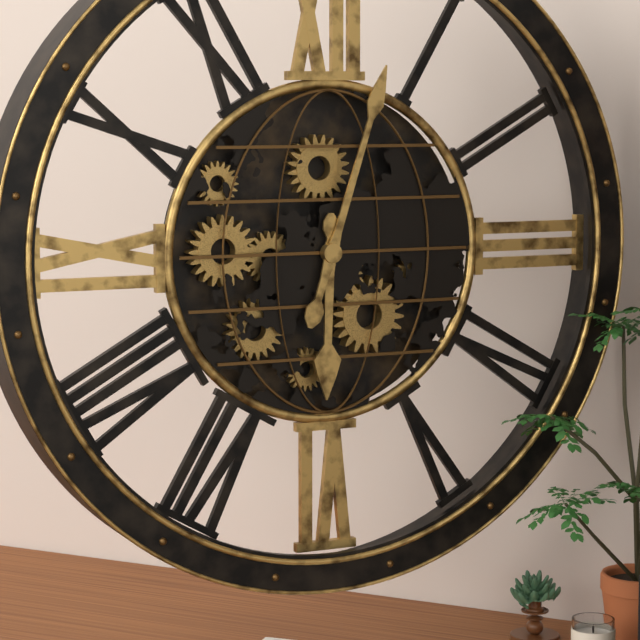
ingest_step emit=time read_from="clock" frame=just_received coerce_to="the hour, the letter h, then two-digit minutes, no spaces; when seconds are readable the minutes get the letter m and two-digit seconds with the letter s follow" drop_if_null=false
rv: 6h03
